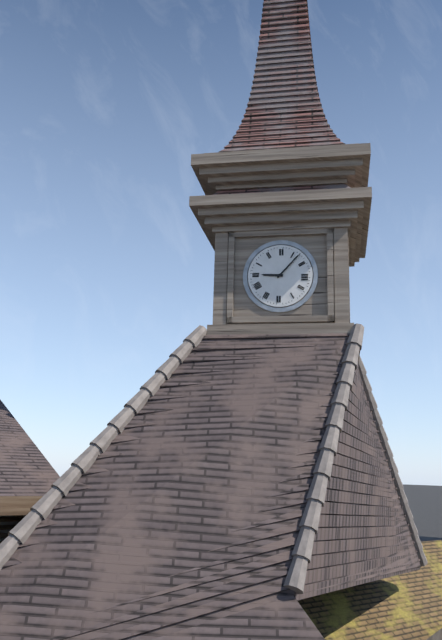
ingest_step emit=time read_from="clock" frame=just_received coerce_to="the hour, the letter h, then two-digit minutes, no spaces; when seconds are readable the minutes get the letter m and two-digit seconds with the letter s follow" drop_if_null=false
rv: 9h07
